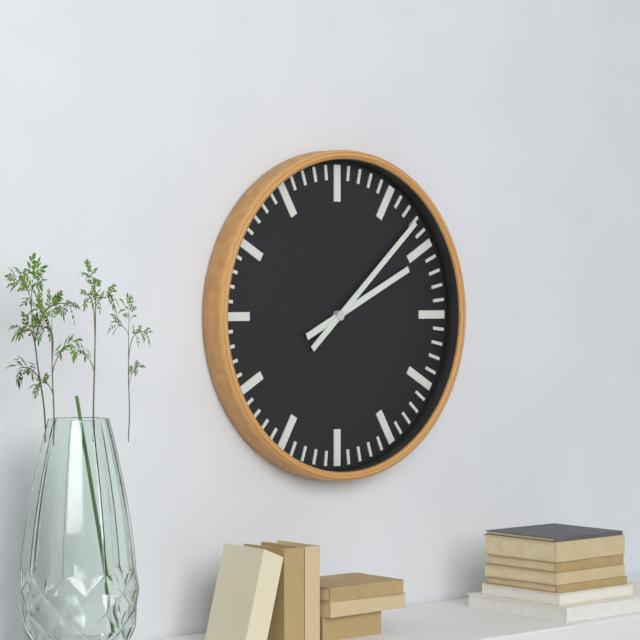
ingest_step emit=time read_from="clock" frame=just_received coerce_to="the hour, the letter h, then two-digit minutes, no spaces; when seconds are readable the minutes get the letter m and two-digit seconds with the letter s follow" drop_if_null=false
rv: 2h08
